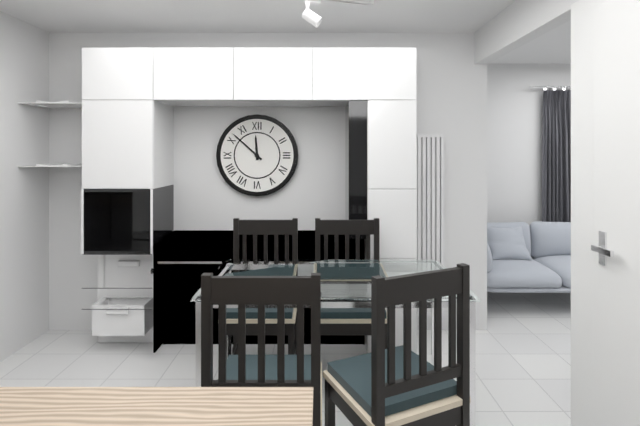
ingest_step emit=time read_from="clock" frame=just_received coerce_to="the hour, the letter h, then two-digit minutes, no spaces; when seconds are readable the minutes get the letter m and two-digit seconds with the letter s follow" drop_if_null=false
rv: 11h52
